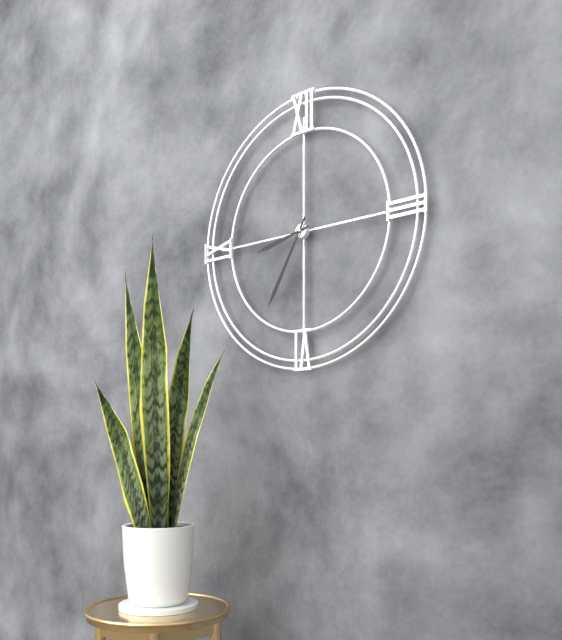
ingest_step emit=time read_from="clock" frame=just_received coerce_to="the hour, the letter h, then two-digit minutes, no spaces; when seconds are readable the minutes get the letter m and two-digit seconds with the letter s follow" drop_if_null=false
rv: 8h35
